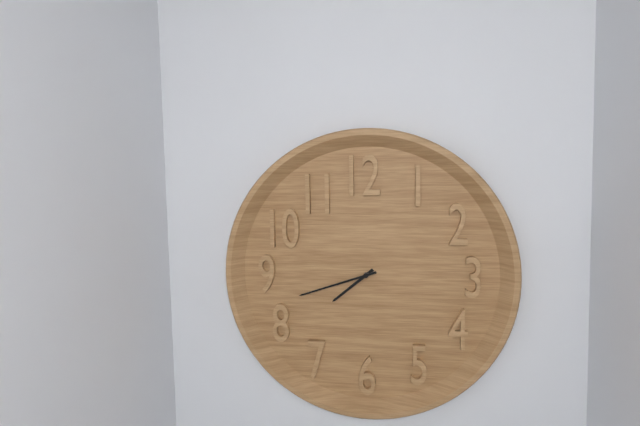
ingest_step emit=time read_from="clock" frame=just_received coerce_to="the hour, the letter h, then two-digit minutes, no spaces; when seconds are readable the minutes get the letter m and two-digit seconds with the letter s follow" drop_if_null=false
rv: 7h42
